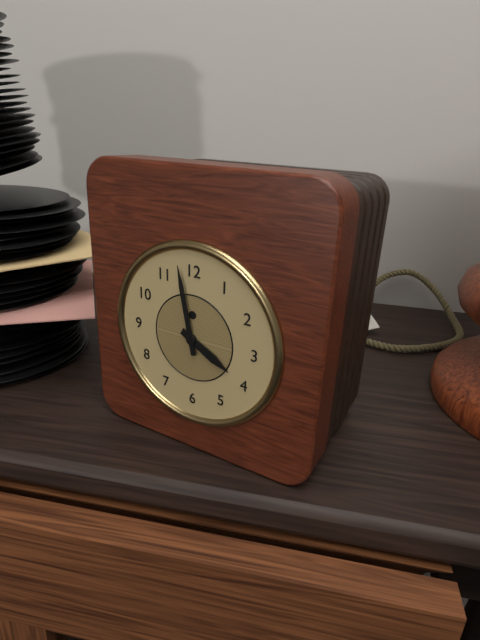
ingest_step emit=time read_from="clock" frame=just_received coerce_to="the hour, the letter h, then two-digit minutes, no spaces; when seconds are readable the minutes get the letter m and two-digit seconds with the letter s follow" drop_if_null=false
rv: 3h58
